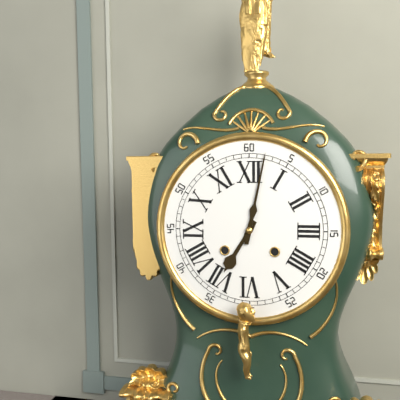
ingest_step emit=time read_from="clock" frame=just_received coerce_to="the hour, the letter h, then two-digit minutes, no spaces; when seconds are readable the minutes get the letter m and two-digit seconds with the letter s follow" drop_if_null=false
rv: 7h02
